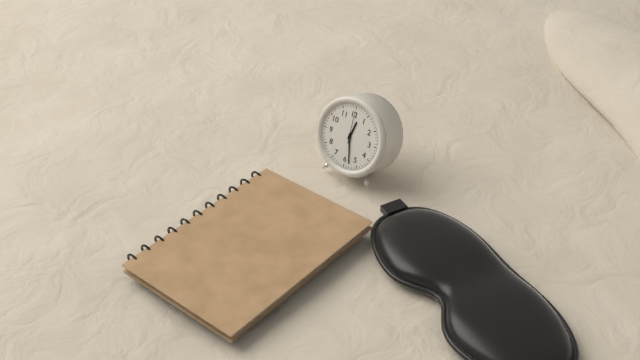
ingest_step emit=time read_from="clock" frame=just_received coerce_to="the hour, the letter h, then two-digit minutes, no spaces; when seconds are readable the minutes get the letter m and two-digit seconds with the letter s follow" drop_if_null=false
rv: 12h28
